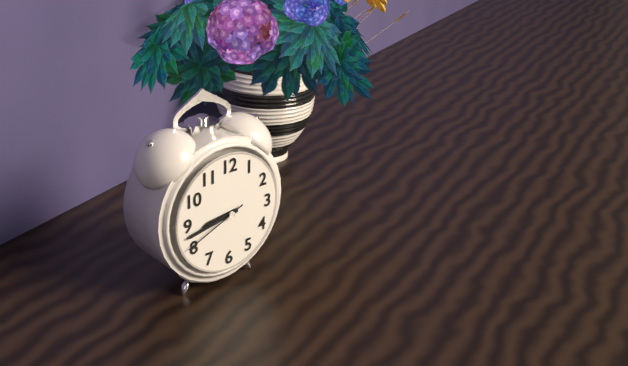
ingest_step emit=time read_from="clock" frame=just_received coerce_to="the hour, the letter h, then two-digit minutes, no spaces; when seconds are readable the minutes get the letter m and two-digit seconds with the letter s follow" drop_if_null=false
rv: 8h43m41s
